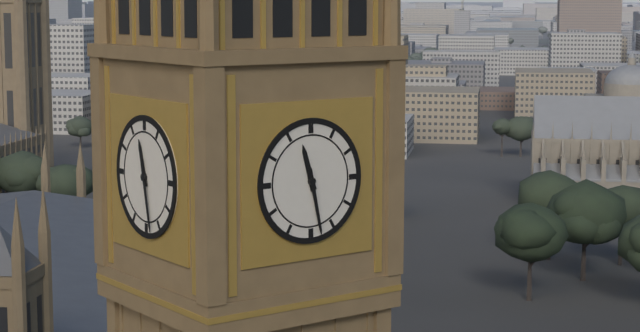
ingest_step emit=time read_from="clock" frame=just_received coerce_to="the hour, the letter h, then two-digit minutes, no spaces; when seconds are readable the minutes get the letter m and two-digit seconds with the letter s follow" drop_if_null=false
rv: 11h28
